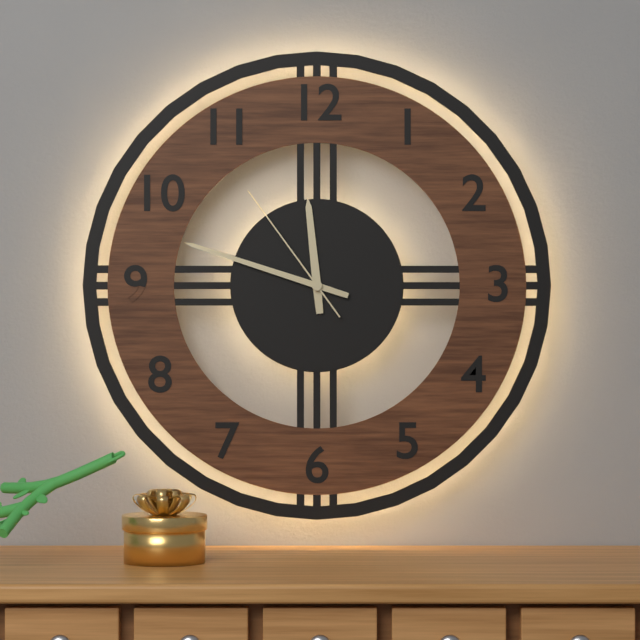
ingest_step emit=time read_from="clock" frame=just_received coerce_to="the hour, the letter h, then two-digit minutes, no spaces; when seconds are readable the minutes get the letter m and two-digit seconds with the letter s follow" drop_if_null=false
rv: 11h48m54s
